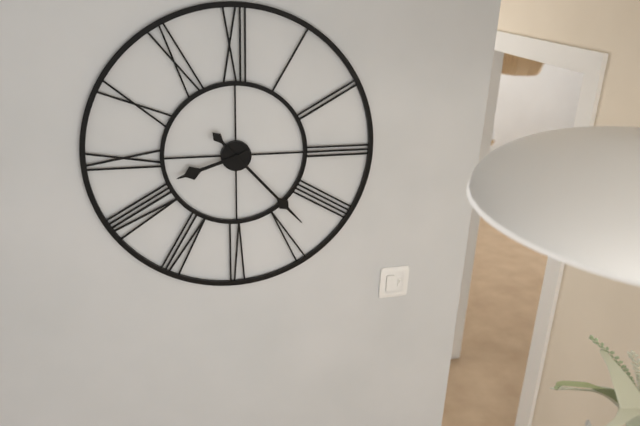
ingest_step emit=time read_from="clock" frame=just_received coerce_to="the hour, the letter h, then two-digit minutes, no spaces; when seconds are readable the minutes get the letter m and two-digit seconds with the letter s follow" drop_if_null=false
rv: 8h23
